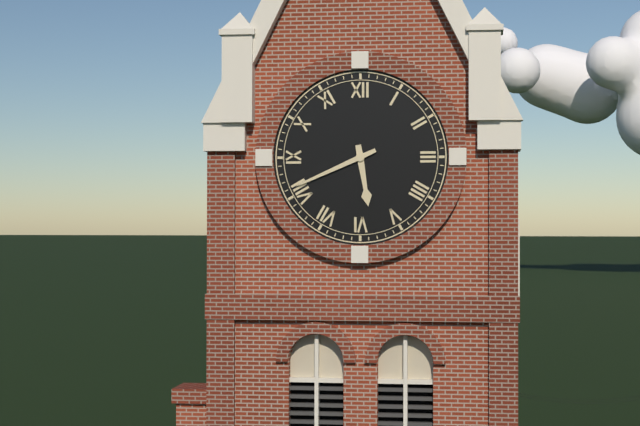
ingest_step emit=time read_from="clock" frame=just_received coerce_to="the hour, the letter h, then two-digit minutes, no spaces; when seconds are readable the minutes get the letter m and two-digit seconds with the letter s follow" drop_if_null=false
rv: 5h41
